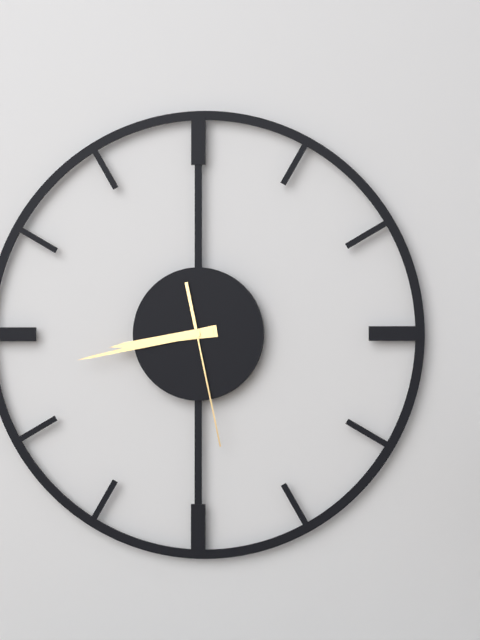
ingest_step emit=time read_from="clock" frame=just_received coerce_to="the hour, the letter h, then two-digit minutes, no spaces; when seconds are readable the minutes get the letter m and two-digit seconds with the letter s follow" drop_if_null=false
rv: 8h43m28s
